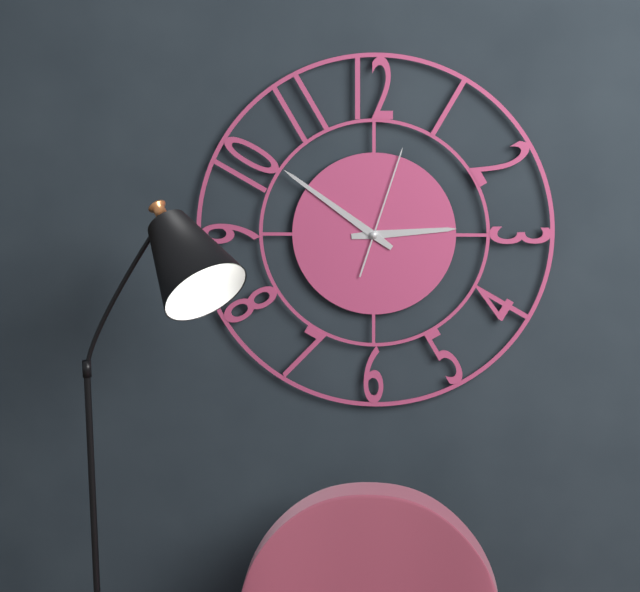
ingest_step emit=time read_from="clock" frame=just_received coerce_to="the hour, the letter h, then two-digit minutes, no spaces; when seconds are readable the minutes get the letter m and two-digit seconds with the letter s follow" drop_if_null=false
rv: 2h51m03s
